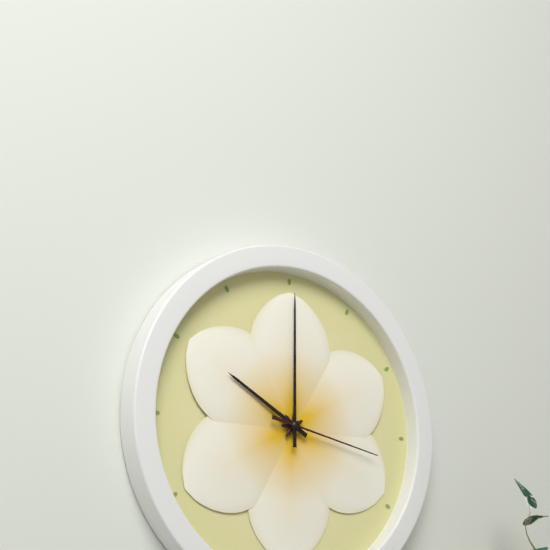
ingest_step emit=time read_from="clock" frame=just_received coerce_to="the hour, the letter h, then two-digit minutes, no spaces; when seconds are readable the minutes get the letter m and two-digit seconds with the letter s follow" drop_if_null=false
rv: 10h00m17s
